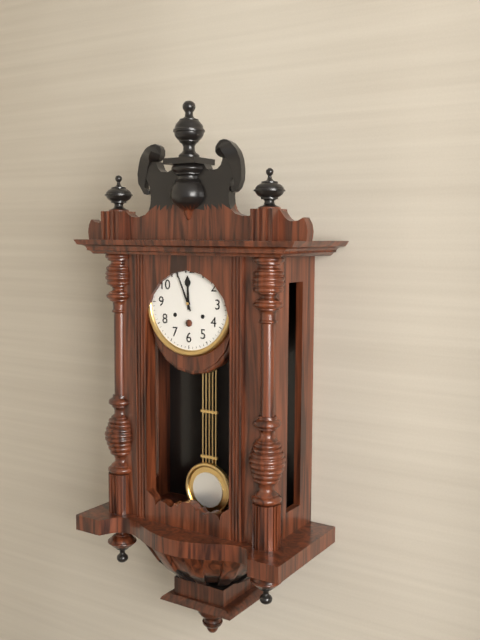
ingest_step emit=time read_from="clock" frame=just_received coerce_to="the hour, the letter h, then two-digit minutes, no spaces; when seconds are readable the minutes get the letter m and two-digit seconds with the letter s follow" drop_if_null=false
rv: 11h56
